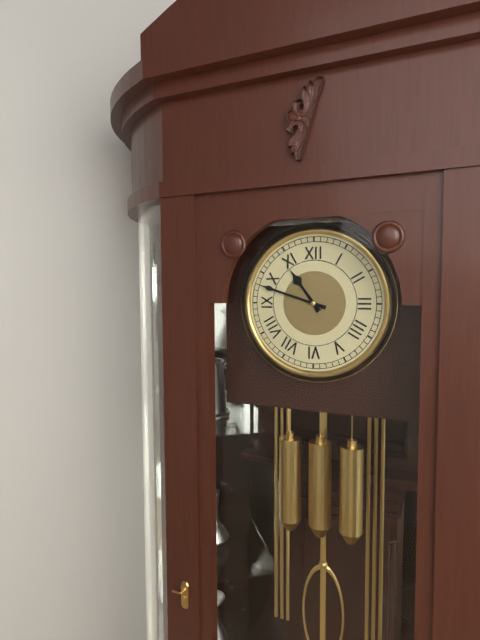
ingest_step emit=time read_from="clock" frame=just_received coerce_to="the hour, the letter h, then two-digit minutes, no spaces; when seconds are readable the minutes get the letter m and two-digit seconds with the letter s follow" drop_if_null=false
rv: 10h48
